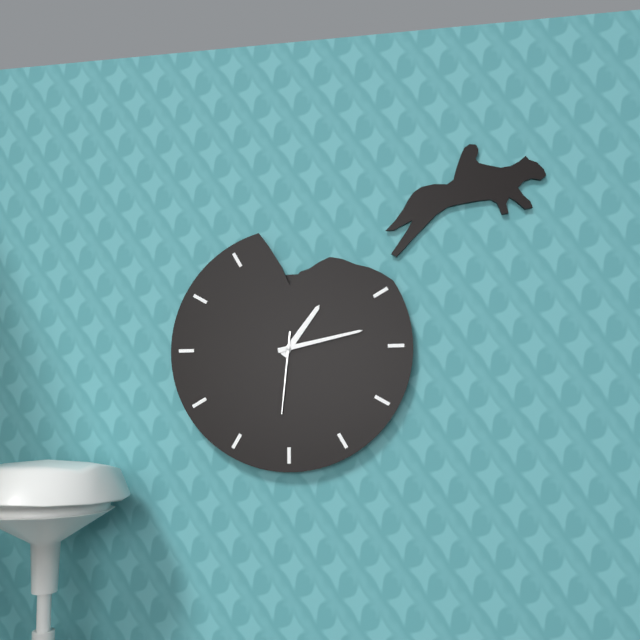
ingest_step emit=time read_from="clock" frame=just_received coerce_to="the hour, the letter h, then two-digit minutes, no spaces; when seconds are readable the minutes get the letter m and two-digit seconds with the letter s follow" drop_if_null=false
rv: 1h13m31s
